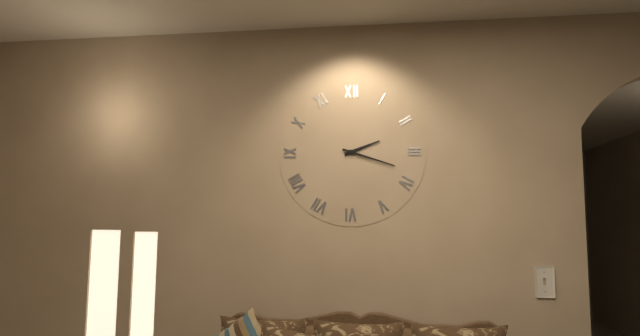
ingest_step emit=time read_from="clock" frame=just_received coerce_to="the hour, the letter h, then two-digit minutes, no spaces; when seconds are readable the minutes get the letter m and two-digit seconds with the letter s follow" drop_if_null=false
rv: 2h18
